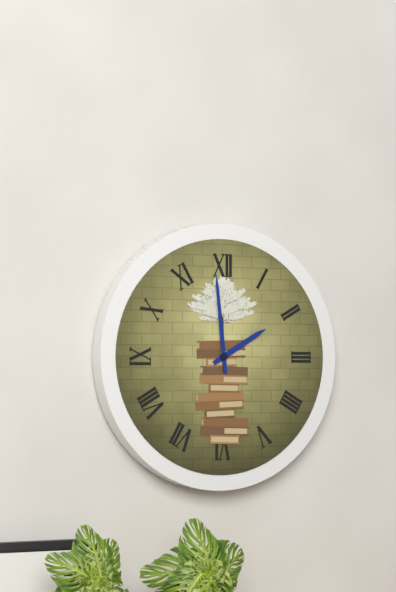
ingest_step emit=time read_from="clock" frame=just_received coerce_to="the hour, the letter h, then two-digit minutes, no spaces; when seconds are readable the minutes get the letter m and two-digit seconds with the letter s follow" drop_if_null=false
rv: 1h59
